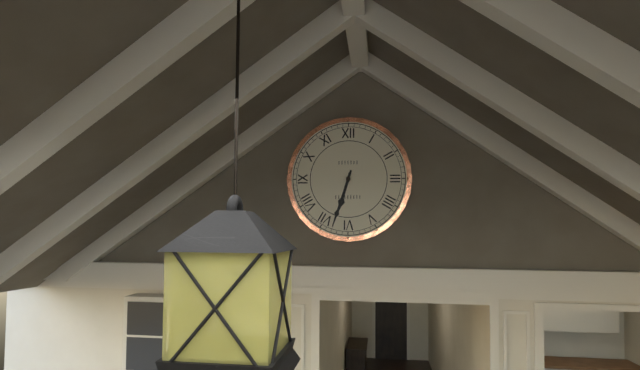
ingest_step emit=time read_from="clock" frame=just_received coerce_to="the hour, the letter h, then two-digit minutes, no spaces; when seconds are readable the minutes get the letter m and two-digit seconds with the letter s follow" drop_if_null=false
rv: 6h33
